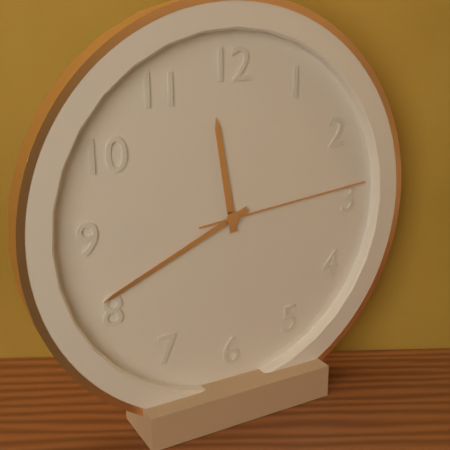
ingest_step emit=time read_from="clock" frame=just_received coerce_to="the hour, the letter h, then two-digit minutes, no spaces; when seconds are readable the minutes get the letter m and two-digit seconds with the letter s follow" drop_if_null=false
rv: 11h41m14s
